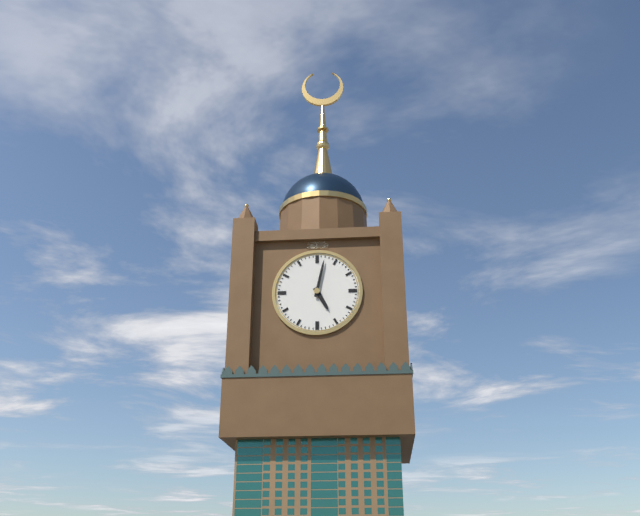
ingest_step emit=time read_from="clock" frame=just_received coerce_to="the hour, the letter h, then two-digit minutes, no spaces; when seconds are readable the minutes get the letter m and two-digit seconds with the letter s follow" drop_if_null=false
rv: 5h02
